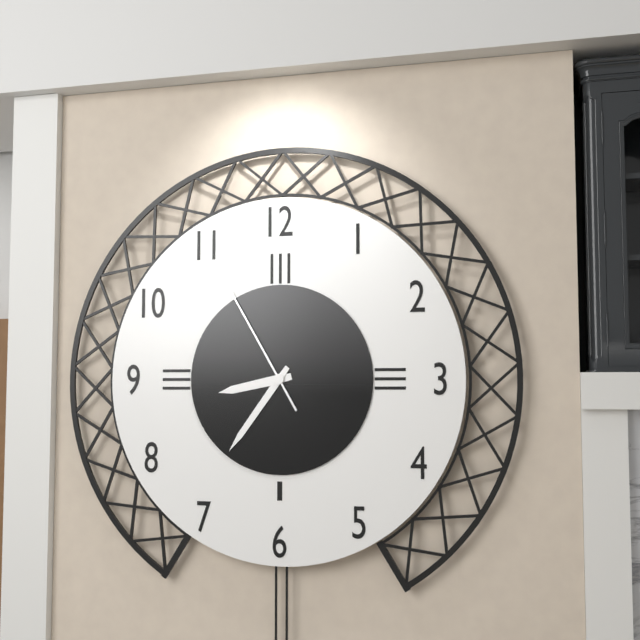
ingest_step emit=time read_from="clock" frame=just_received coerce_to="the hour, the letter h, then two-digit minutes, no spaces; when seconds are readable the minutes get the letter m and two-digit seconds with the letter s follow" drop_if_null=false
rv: 8h36m55s
